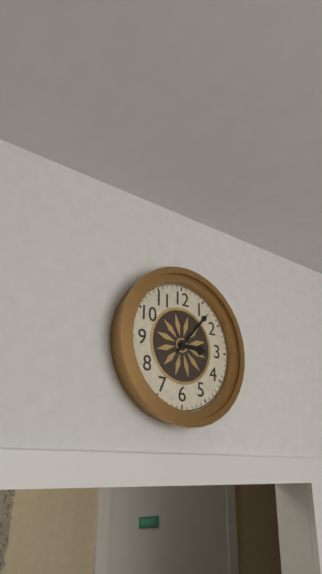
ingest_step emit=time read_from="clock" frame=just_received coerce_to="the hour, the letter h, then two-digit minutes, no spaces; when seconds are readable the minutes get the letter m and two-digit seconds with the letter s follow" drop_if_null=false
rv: 3h07
